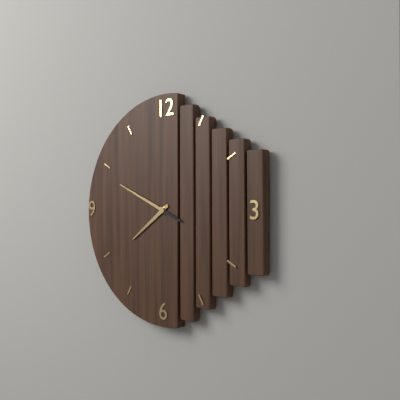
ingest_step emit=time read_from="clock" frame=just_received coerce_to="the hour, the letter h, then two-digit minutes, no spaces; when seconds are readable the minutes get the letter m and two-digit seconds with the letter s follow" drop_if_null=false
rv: 7h49
